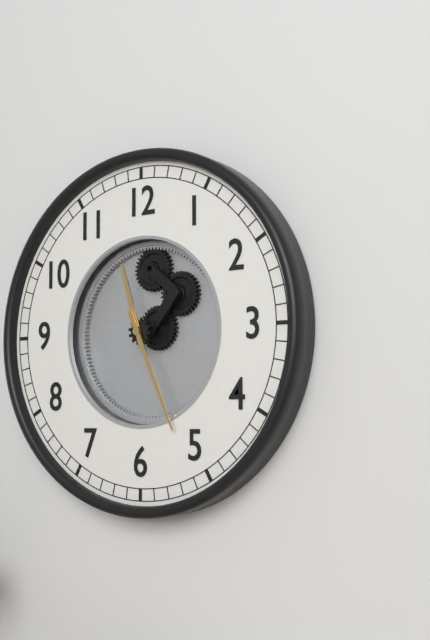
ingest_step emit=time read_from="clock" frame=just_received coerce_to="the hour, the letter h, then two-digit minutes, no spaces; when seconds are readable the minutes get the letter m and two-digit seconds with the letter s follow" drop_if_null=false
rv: 11h26
